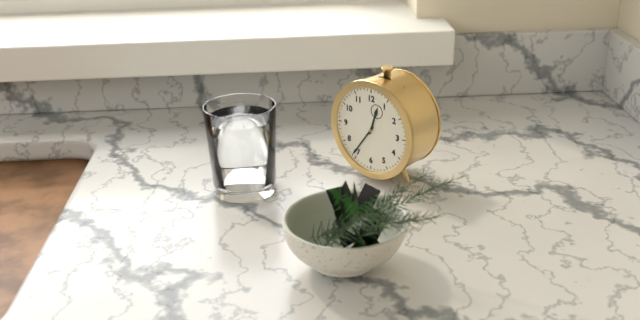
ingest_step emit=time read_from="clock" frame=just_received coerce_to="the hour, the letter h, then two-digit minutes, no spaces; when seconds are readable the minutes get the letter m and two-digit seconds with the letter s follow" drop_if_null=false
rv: 12h36
